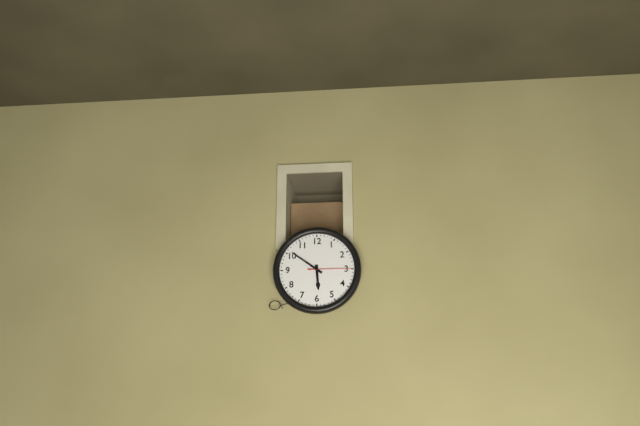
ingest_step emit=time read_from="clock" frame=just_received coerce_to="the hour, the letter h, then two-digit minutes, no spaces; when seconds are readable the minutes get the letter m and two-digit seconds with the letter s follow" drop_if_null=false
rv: 5h51
